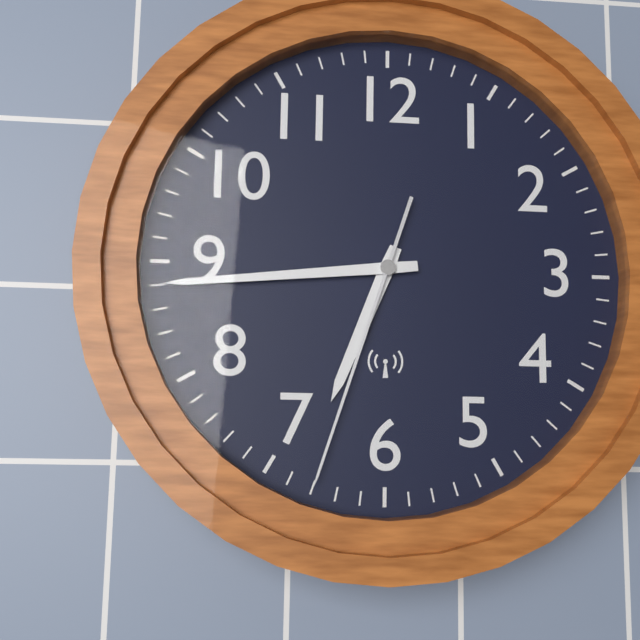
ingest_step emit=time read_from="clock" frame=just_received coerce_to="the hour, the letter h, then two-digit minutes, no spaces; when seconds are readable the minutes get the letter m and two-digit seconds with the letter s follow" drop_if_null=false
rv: 6h44m33s
